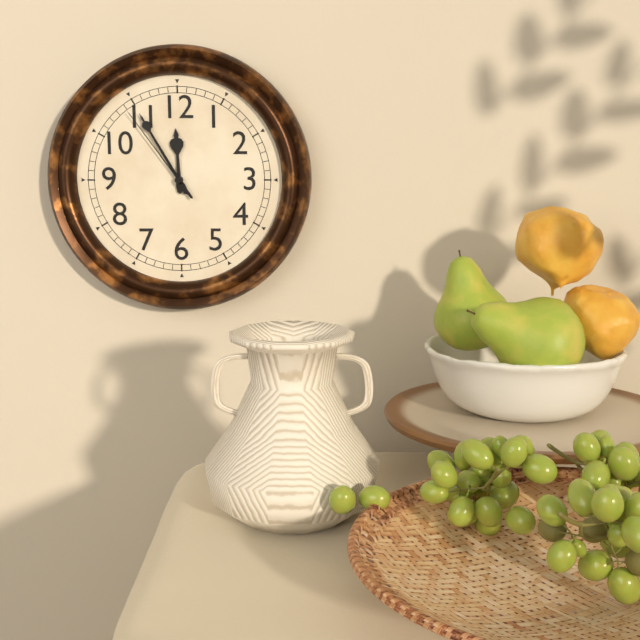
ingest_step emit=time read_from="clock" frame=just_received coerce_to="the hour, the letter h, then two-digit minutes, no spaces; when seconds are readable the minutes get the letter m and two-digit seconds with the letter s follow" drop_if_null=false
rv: 11h55m54s
